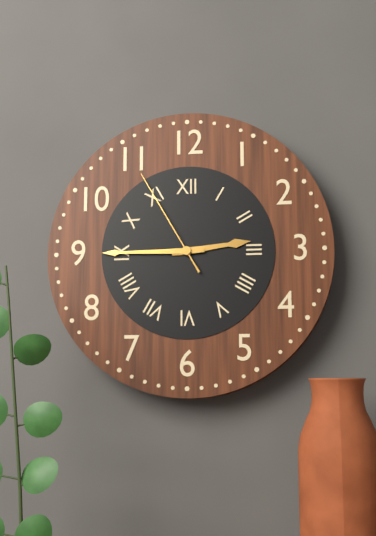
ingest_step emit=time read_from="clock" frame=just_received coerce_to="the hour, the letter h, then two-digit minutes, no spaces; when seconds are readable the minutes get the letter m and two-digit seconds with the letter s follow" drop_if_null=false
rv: 2h45m55s
